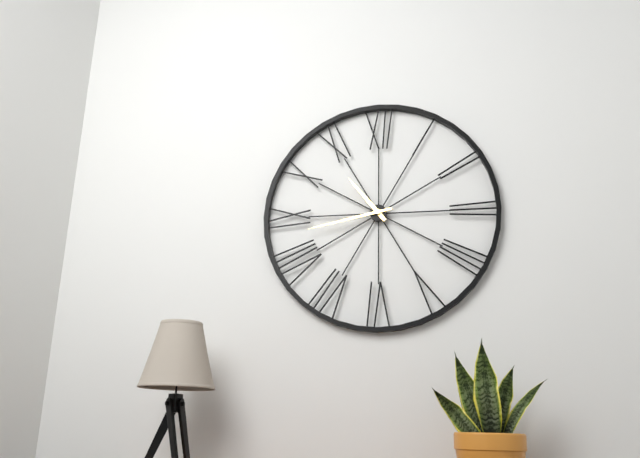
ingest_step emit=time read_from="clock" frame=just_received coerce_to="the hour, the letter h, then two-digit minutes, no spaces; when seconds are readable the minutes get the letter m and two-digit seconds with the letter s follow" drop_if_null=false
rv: 10h43
